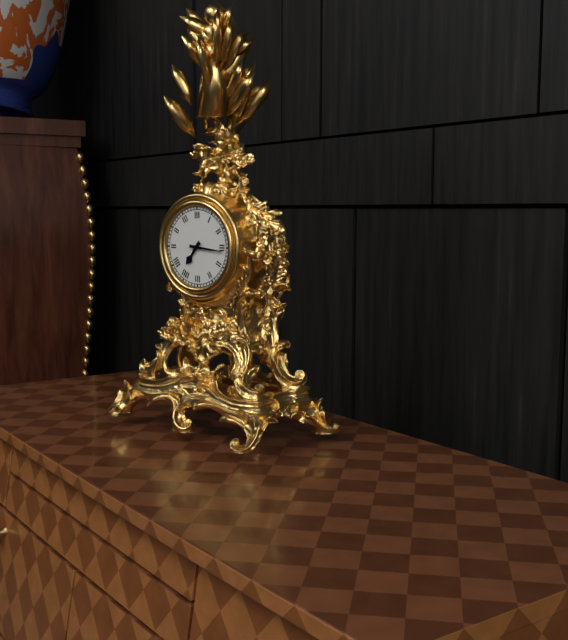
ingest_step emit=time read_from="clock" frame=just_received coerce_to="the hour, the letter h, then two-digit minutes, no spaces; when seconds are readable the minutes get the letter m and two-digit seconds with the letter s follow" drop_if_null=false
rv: 7h16
